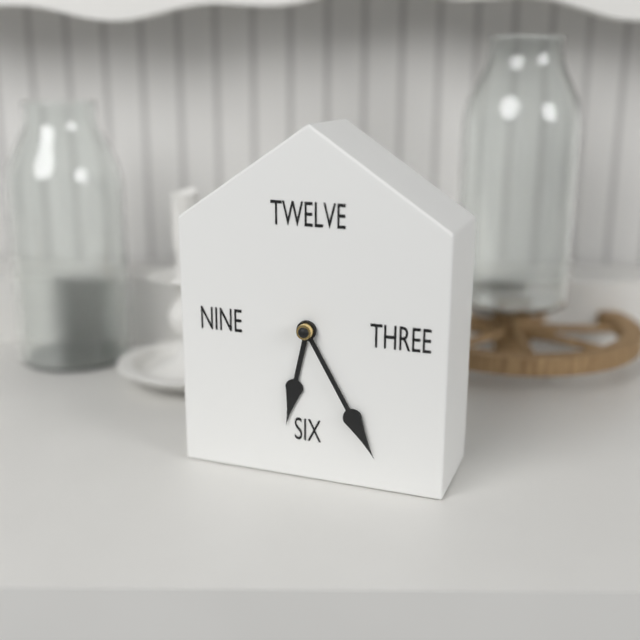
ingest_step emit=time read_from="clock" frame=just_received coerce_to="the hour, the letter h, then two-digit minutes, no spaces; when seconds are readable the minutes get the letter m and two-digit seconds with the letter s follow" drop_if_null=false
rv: 6h25
